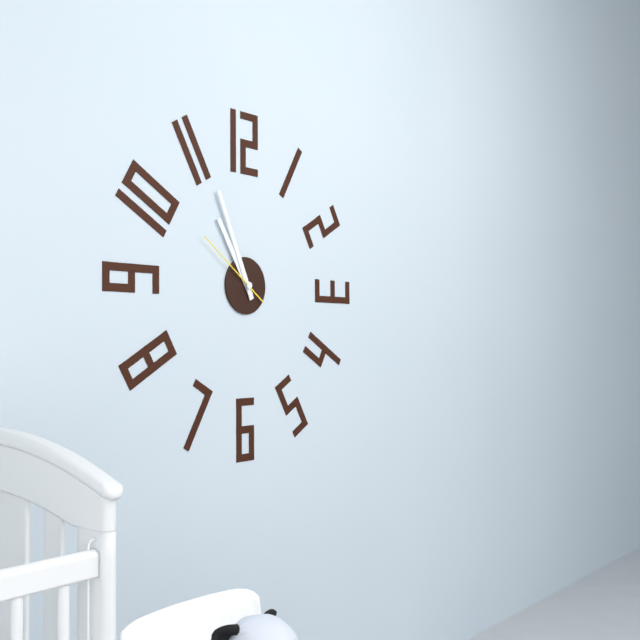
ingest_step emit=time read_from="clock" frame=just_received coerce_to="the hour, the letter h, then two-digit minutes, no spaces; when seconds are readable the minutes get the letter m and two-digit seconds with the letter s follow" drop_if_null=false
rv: 10h56m51s
